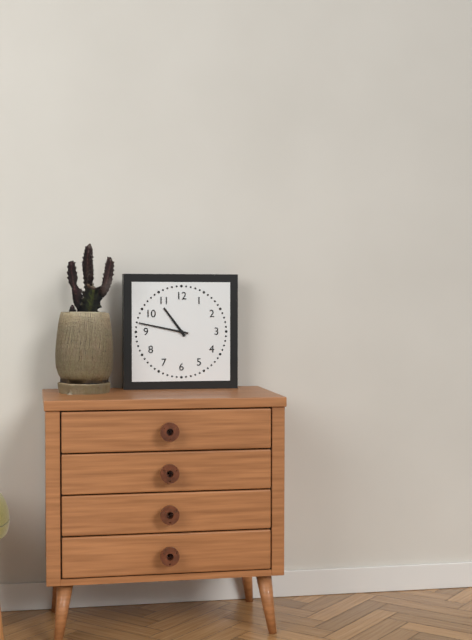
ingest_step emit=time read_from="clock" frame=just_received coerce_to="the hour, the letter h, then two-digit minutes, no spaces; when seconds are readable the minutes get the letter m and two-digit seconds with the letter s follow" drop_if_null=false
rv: 10h47
